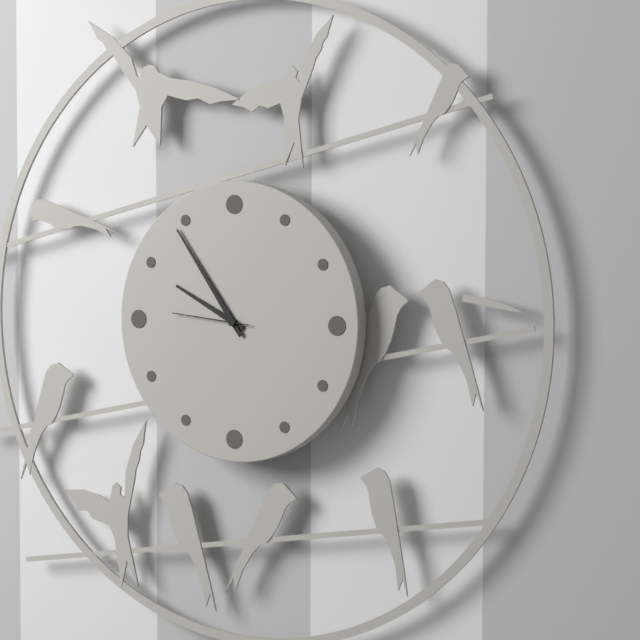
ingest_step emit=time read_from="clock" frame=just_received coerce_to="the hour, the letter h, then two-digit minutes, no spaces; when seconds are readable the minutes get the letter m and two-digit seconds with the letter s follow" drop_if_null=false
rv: 9h54m46s
